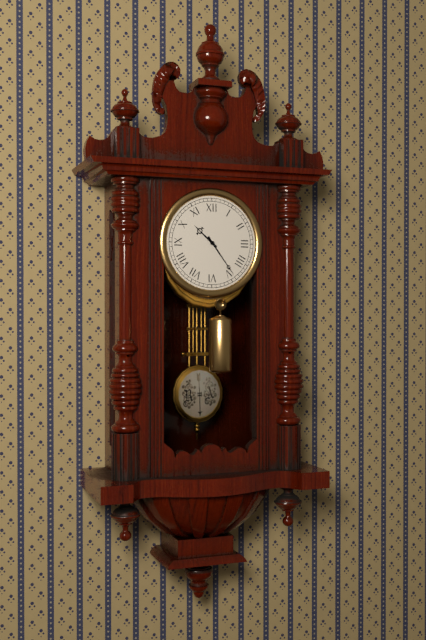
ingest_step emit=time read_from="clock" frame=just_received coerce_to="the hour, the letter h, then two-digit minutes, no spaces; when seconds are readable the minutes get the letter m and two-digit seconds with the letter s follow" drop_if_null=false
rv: 10h24
